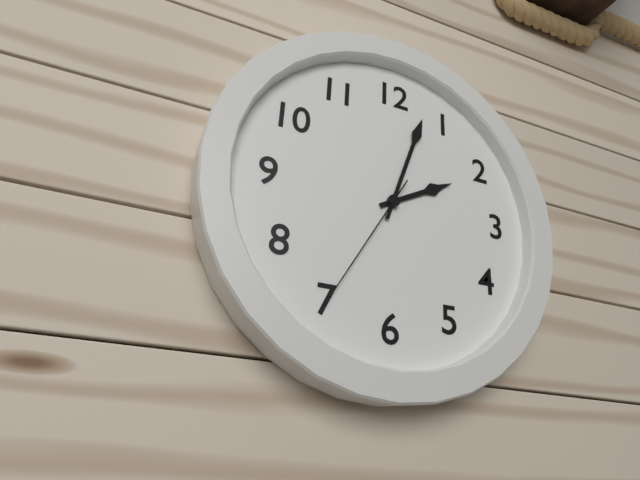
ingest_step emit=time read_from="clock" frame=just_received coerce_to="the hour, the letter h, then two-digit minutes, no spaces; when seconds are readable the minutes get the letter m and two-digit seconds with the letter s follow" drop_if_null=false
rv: 2h03m35s
